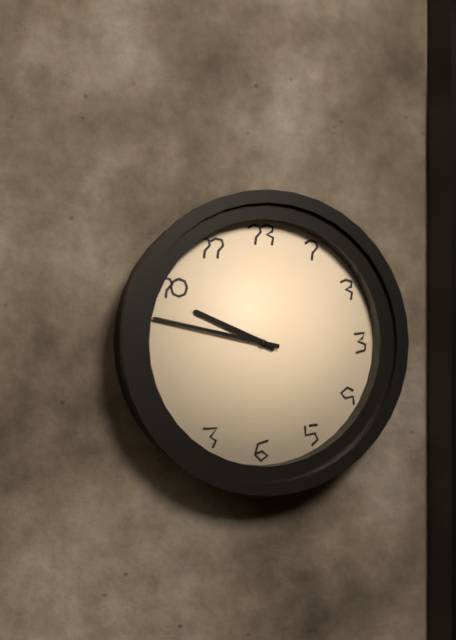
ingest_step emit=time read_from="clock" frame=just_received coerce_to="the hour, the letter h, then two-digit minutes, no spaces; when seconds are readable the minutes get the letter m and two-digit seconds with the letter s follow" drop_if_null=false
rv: 9h47
